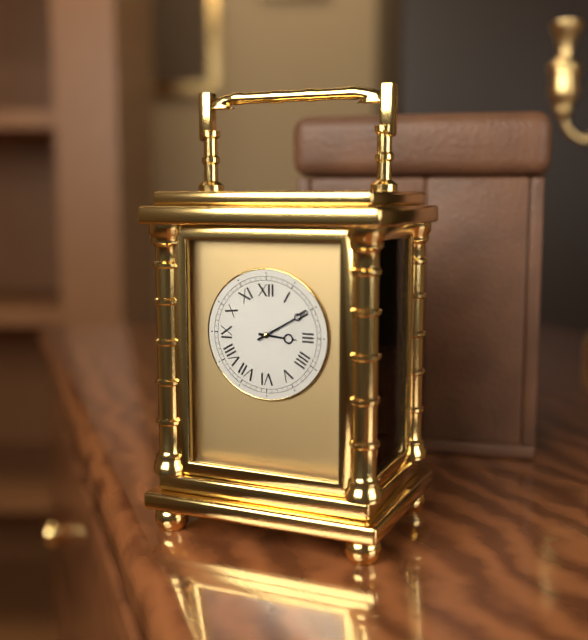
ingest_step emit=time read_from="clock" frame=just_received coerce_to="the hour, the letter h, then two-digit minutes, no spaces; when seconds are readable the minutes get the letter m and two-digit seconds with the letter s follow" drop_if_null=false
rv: 3h10
